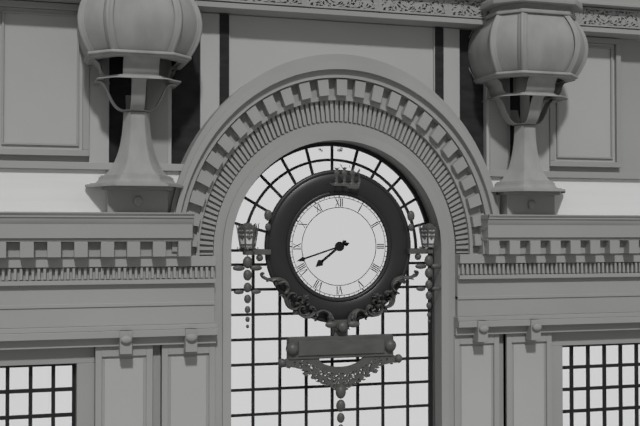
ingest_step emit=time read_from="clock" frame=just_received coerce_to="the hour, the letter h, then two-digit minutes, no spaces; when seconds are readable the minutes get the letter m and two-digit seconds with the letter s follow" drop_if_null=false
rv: 7h42
